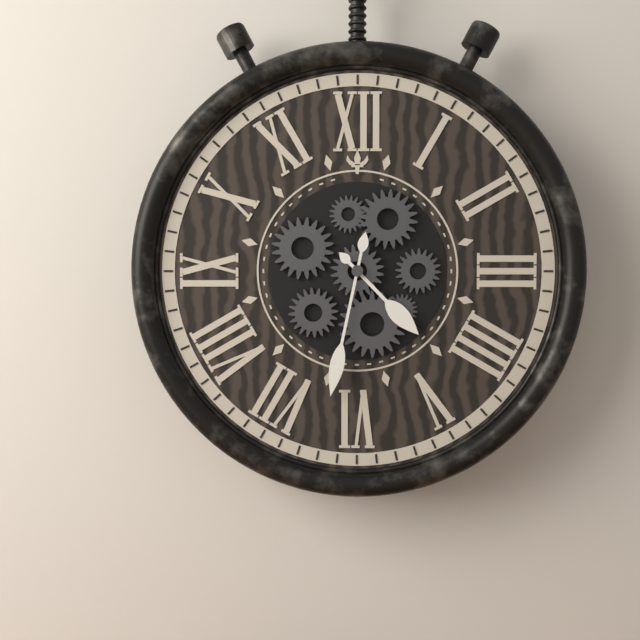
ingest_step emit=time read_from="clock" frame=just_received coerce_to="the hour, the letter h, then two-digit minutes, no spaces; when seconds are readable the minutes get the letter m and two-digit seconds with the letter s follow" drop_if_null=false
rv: 4h32
